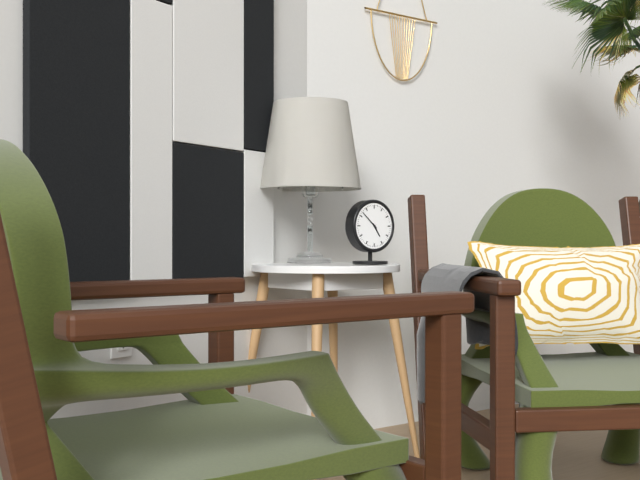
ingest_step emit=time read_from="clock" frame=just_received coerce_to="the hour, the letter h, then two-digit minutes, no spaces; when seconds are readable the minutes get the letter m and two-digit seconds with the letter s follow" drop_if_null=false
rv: 4h52
